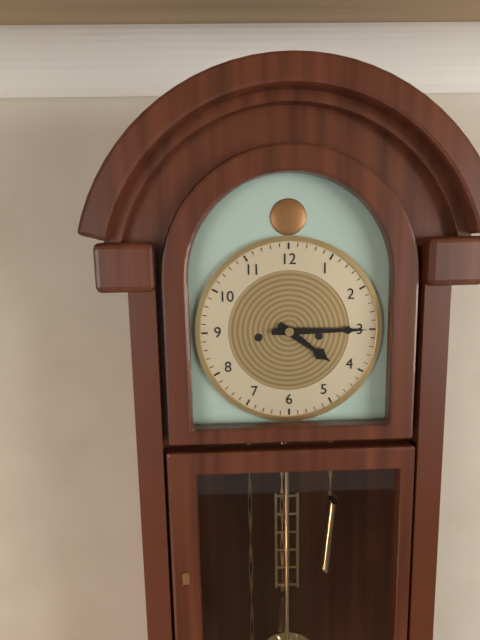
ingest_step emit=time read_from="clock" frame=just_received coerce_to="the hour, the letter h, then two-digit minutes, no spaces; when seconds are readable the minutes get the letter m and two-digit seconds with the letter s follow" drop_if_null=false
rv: 4h15
